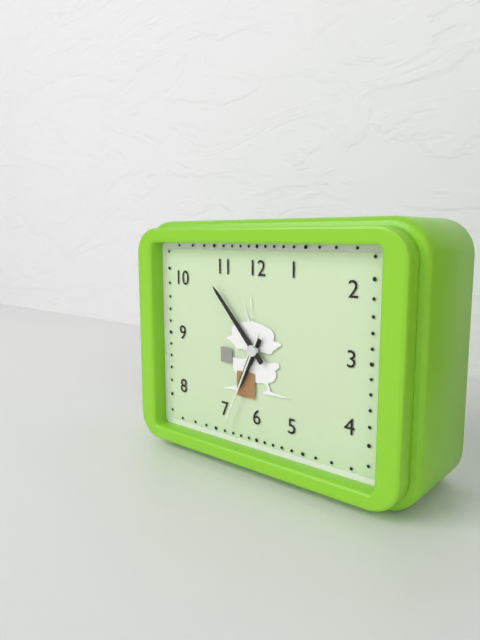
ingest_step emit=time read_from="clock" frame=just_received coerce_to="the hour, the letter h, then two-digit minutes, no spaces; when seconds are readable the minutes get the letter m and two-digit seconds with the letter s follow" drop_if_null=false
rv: 6h53m34s
